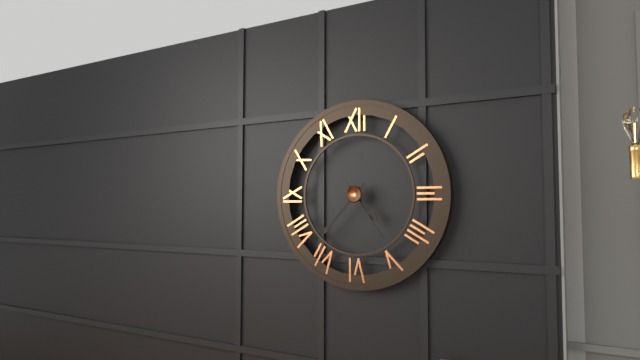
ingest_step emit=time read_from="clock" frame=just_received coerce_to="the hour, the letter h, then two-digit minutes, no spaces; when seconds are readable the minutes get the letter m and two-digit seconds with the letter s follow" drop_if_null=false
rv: 4h37m24s
